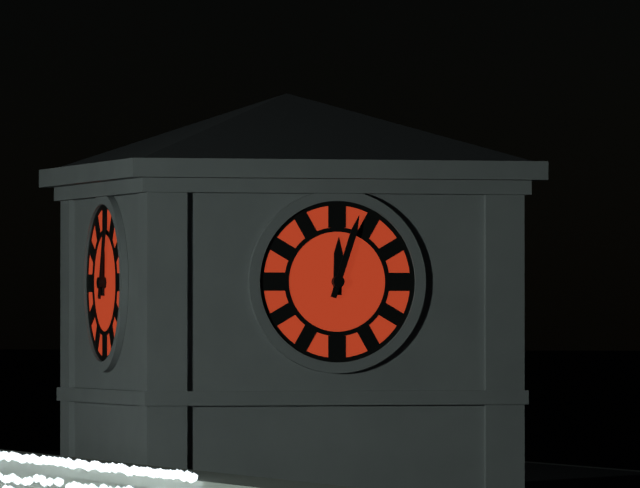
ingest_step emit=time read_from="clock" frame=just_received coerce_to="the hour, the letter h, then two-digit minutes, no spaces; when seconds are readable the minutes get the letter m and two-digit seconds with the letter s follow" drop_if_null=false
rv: 12h03
